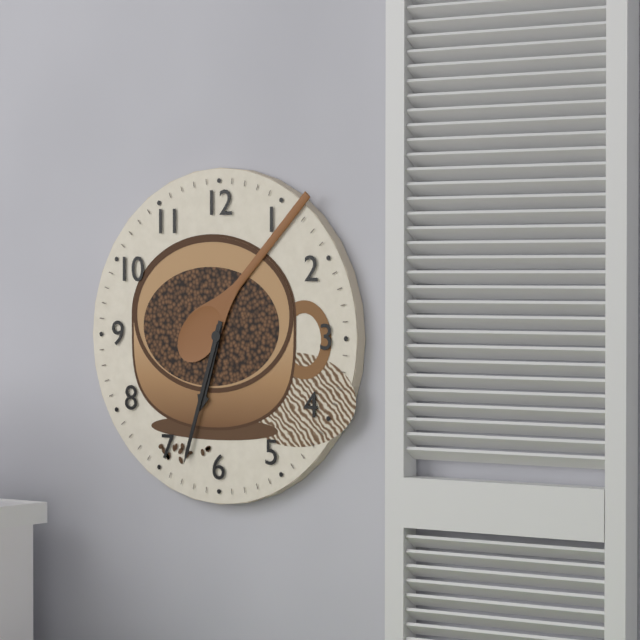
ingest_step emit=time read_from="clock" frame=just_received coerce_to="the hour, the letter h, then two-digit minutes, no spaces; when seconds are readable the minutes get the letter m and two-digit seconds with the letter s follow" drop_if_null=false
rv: 6h33
